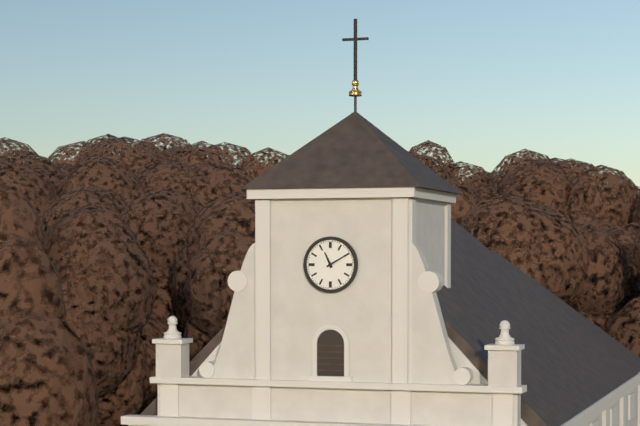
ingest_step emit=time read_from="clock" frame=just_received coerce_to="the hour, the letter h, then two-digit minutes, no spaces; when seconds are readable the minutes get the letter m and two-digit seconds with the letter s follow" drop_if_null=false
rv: 11h10
